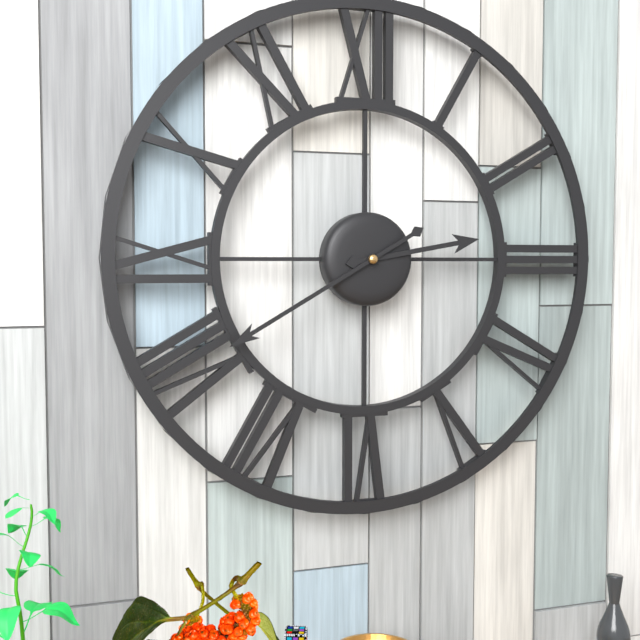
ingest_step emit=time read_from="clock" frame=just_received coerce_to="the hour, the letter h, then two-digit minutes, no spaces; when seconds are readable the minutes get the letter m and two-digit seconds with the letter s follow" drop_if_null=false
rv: 2h40
